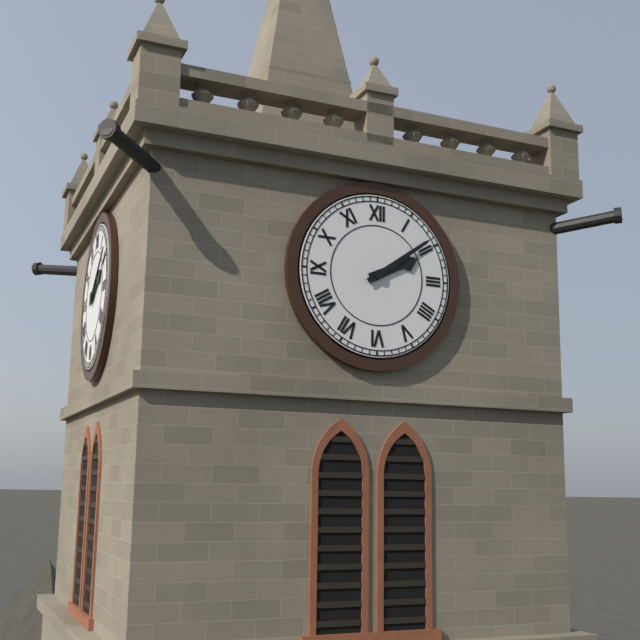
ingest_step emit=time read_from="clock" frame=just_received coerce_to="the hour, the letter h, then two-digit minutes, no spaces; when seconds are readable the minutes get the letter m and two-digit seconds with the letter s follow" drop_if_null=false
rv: 2h09
